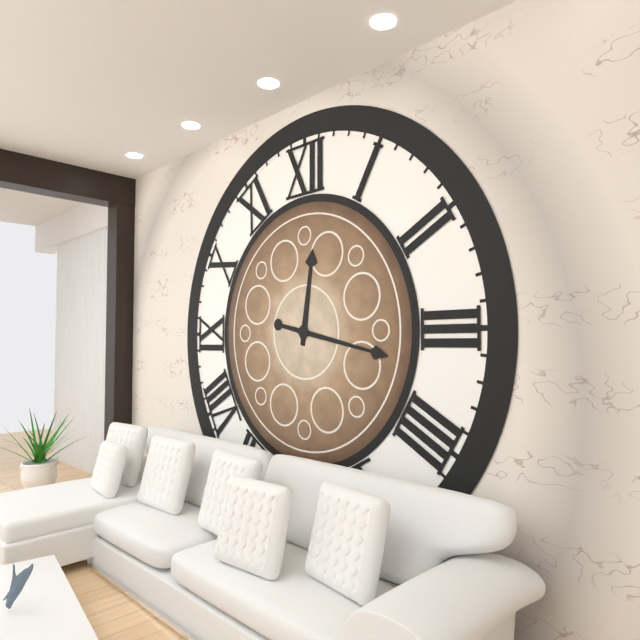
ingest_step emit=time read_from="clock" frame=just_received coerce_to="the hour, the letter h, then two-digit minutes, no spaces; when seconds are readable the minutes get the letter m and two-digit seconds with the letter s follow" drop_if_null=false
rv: 12h17
